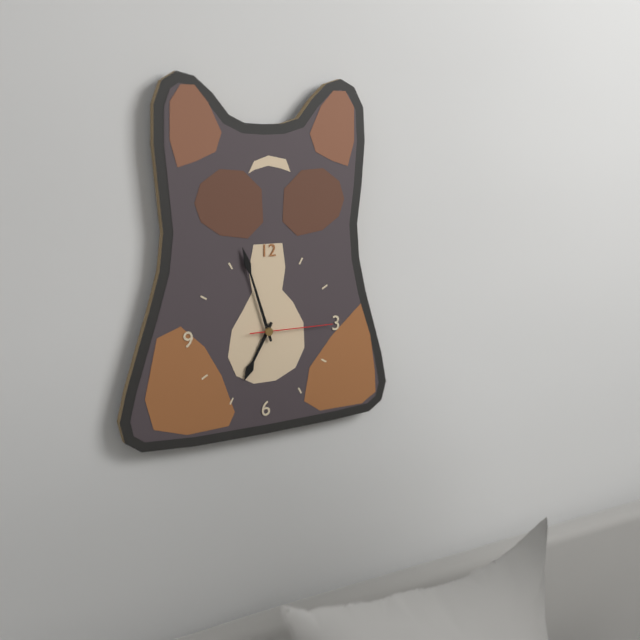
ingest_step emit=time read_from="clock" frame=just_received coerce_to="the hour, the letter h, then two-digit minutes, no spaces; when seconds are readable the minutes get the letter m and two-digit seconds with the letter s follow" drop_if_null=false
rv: 6h57m15s
